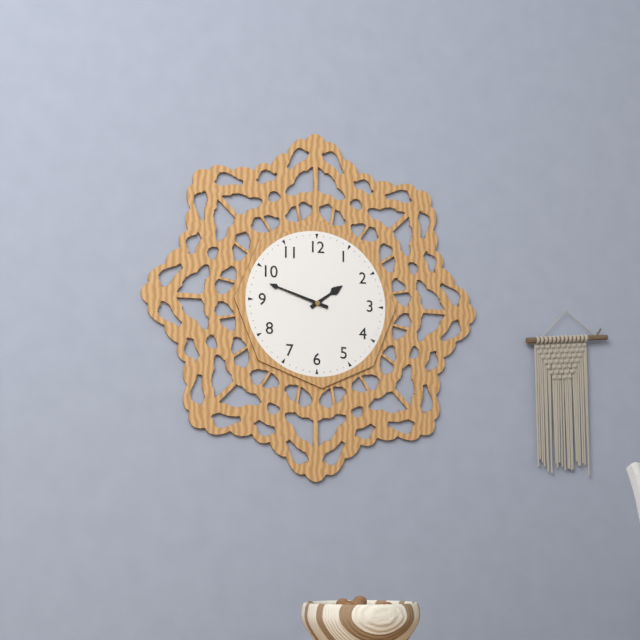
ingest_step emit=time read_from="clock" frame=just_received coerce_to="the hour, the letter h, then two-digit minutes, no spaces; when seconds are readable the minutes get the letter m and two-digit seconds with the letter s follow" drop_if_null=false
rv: 1h48
